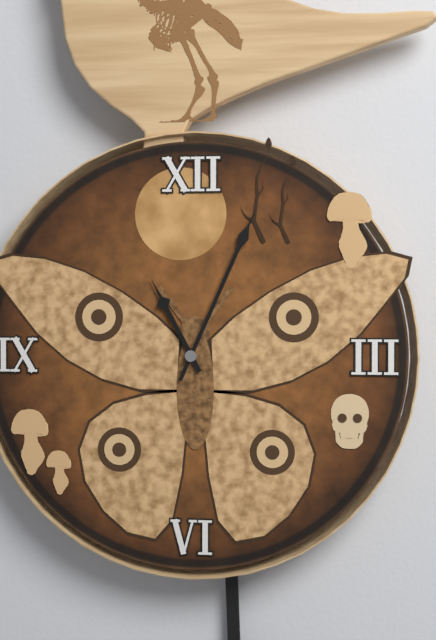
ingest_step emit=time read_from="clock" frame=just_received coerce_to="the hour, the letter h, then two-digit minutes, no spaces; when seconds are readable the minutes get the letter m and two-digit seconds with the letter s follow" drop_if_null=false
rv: 11h04
